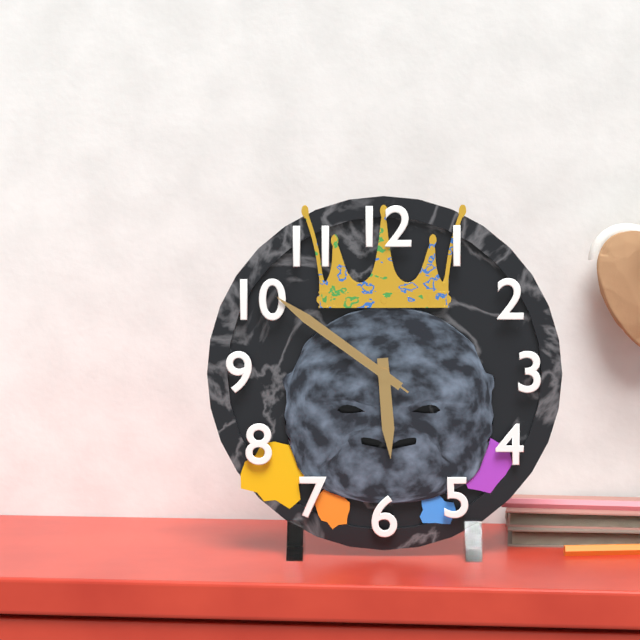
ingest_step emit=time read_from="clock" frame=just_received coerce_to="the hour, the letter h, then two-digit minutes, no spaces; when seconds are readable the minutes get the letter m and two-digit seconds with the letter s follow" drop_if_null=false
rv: 5h51m51s
